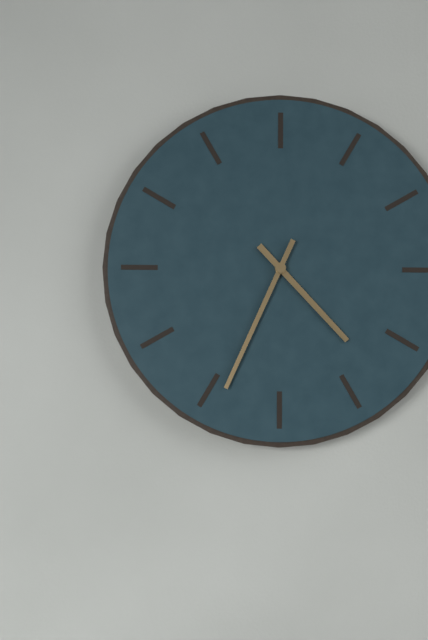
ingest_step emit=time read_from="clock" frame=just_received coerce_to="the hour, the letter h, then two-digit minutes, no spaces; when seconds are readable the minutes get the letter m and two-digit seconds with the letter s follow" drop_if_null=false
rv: 4h34
